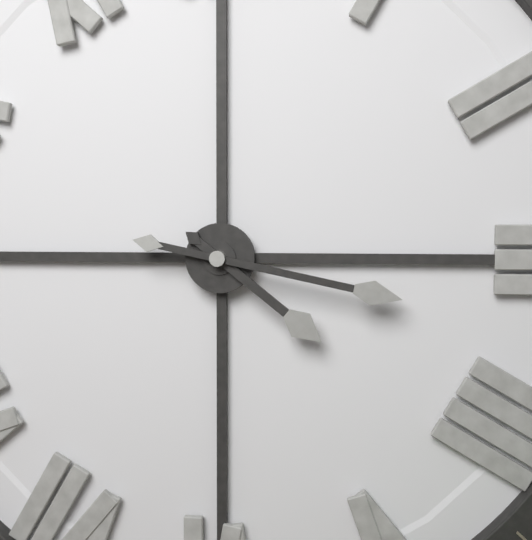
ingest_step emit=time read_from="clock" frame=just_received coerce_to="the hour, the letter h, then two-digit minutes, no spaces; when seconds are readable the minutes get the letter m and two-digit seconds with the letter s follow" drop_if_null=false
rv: 4h17
